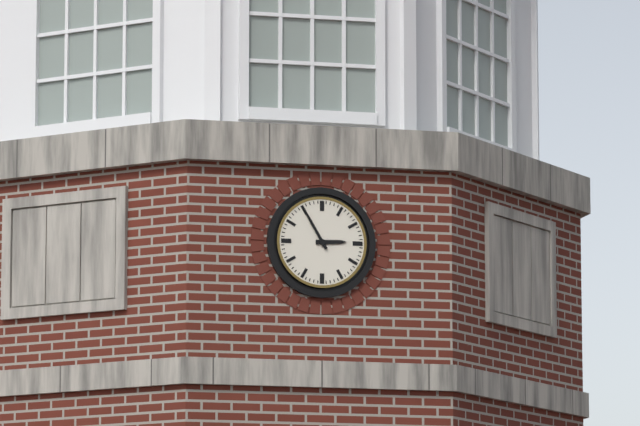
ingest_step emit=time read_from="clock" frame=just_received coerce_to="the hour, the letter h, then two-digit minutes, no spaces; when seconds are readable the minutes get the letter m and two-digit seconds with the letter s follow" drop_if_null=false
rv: 2h55
